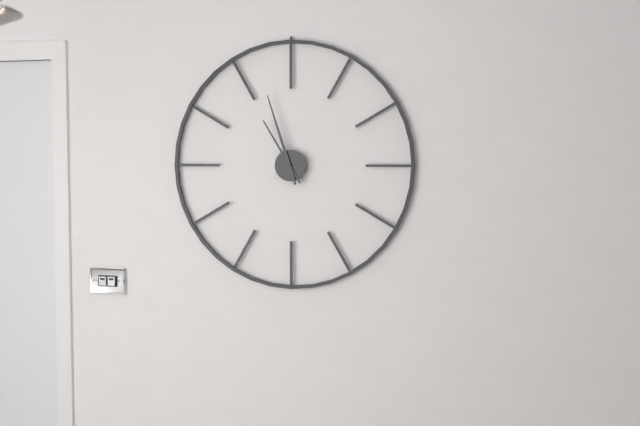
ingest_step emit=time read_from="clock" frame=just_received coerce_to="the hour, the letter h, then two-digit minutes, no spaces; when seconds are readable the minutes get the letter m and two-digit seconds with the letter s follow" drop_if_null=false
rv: 10h57
